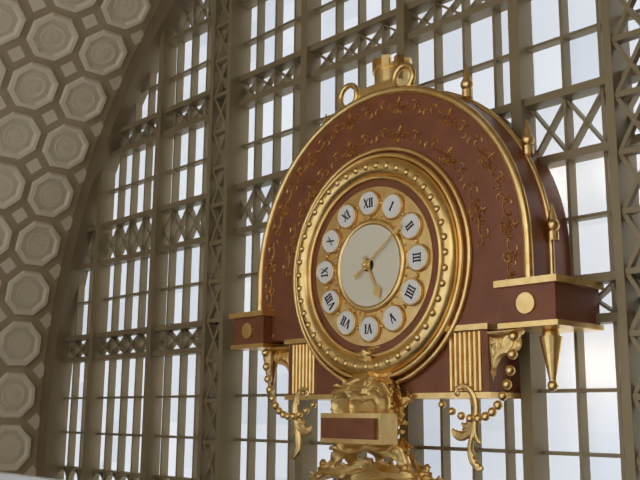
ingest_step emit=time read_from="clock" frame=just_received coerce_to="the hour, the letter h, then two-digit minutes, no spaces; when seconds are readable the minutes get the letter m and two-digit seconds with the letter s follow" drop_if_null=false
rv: 5h09
